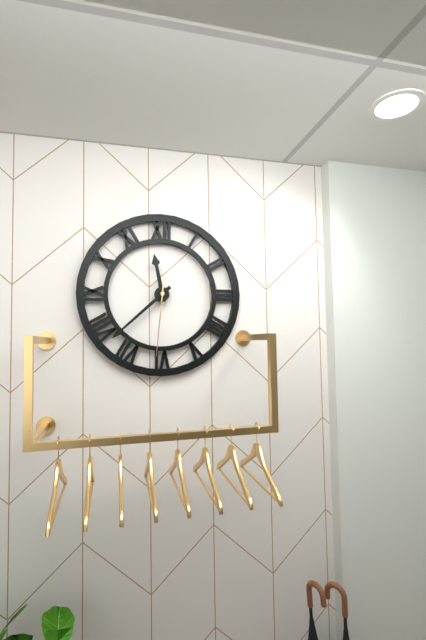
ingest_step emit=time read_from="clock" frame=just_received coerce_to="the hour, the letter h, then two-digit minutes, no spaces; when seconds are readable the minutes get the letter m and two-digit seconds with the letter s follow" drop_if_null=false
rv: 11h38m31s
